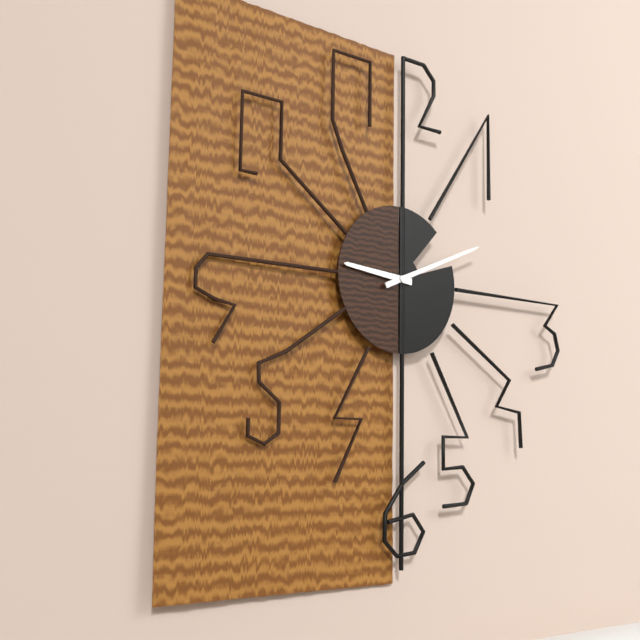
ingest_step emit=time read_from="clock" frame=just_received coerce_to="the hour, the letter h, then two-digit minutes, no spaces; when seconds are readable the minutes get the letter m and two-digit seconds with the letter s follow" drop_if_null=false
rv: 9h11
